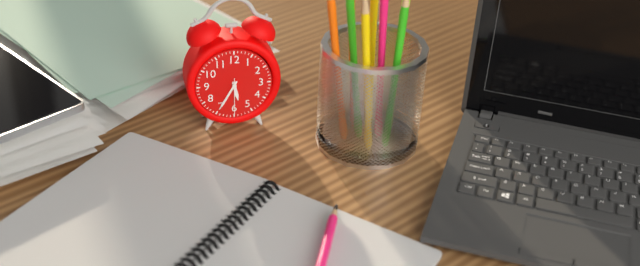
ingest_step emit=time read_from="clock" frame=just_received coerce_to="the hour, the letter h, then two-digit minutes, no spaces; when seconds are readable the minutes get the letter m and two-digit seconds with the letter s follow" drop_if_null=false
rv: 5h35
